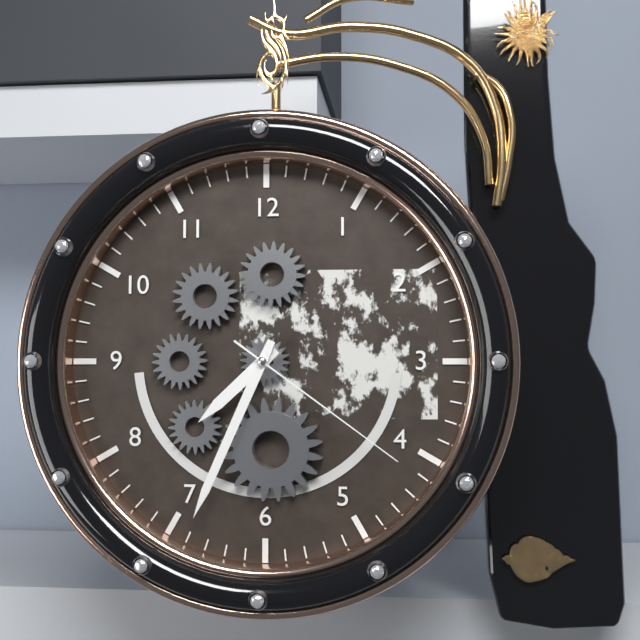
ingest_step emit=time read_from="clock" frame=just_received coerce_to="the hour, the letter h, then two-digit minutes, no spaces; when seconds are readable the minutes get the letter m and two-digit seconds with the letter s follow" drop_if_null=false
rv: 7h34m21s
